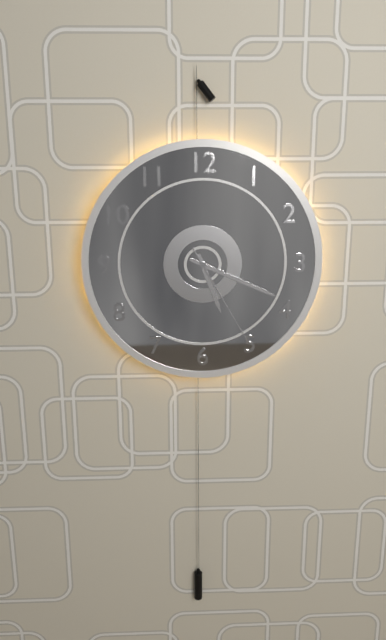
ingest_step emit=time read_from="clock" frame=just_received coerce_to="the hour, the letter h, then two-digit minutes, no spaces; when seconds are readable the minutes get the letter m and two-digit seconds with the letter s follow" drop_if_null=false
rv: 5h19m25s
